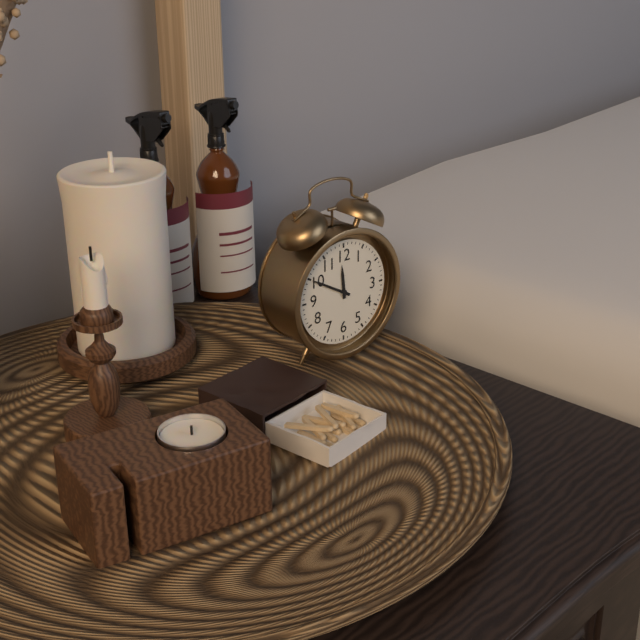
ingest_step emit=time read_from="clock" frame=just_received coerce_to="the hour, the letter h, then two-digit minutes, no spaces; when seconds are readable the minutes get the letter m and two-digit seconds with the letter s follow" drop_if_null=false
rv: 11h50
